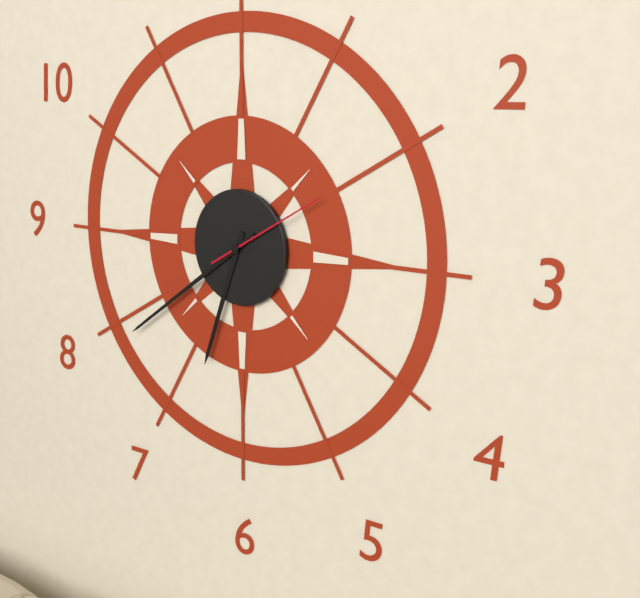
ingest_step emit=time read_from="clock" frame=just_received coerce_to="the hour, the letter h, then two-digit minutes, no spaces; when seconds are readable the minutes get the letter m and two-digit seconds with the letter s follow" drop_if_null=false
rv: 6h39m10s
